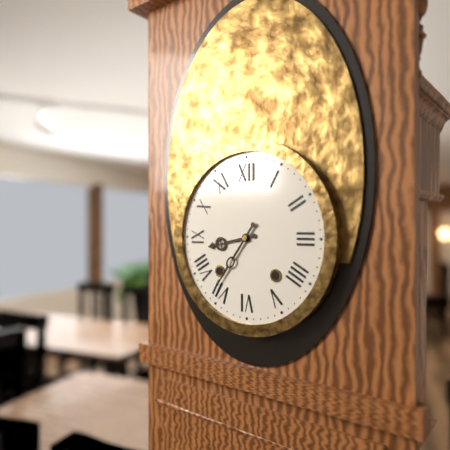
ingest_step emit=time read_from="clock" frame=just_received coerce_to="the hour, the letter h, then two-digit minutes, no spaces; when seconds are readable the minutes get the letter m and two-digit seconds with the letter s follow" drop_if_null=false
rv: 8h36
